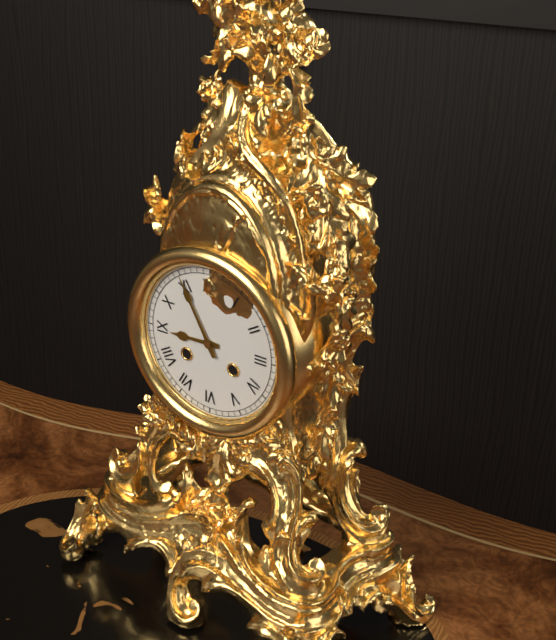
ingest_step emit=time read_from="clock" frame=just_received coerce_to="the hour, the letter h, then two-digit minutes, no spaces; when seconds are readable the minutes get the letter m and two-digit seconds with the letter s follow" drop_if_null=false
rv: 8h55
